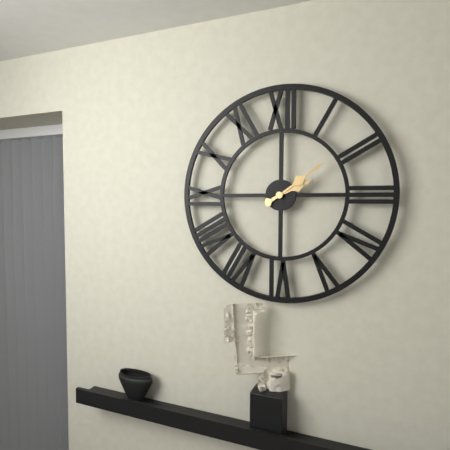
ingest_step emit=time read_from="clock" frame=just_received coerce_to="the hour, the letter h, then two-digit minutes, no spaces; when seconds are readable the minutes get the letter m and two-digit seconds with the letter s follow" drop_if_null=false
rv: 2h09
